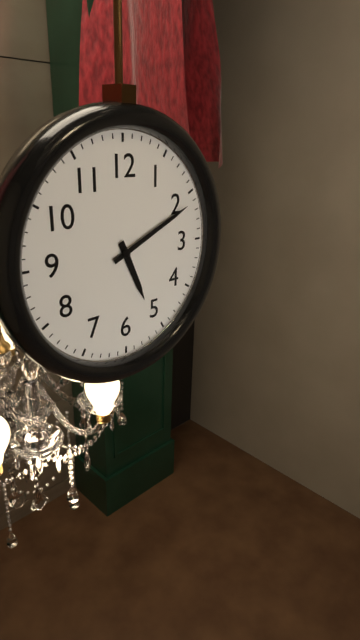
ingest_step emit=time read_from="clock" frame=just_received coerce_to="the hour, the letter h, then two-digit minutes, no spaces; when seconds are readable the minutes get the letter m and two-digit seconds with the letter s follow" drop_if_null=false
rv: 5h11
